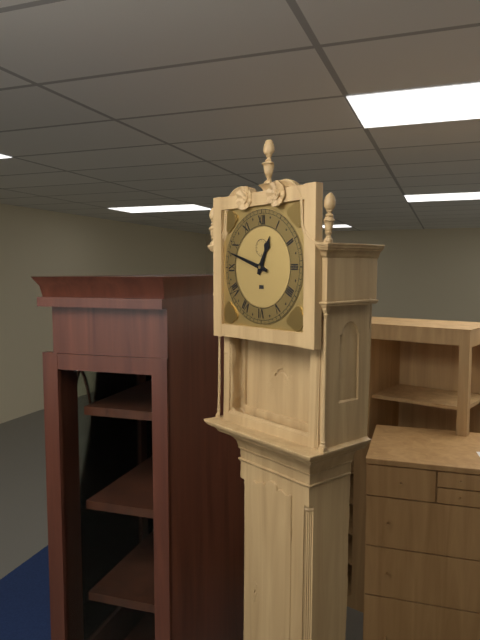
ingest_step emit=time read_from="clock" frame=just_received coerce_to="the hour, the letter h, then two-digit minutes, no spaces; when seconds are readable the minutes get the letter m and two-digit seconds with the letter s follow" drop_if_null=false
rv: 12h48
